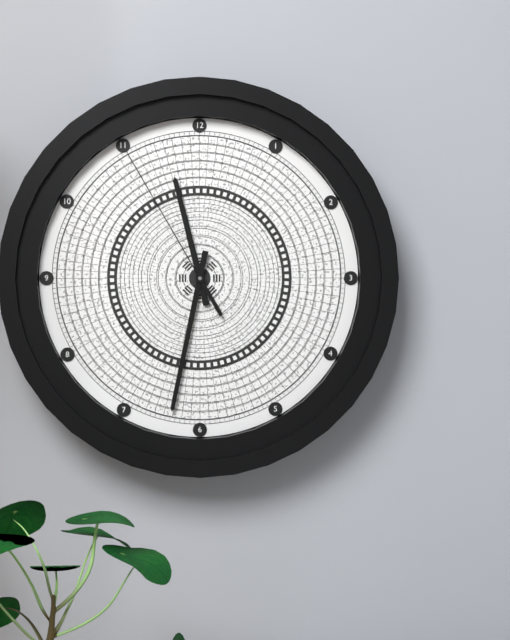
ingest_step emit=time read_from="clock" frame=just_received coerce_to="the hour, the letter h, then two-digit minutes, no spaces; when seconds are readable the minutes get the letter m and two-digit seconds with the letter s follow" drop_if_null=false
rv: 11h32m55s
